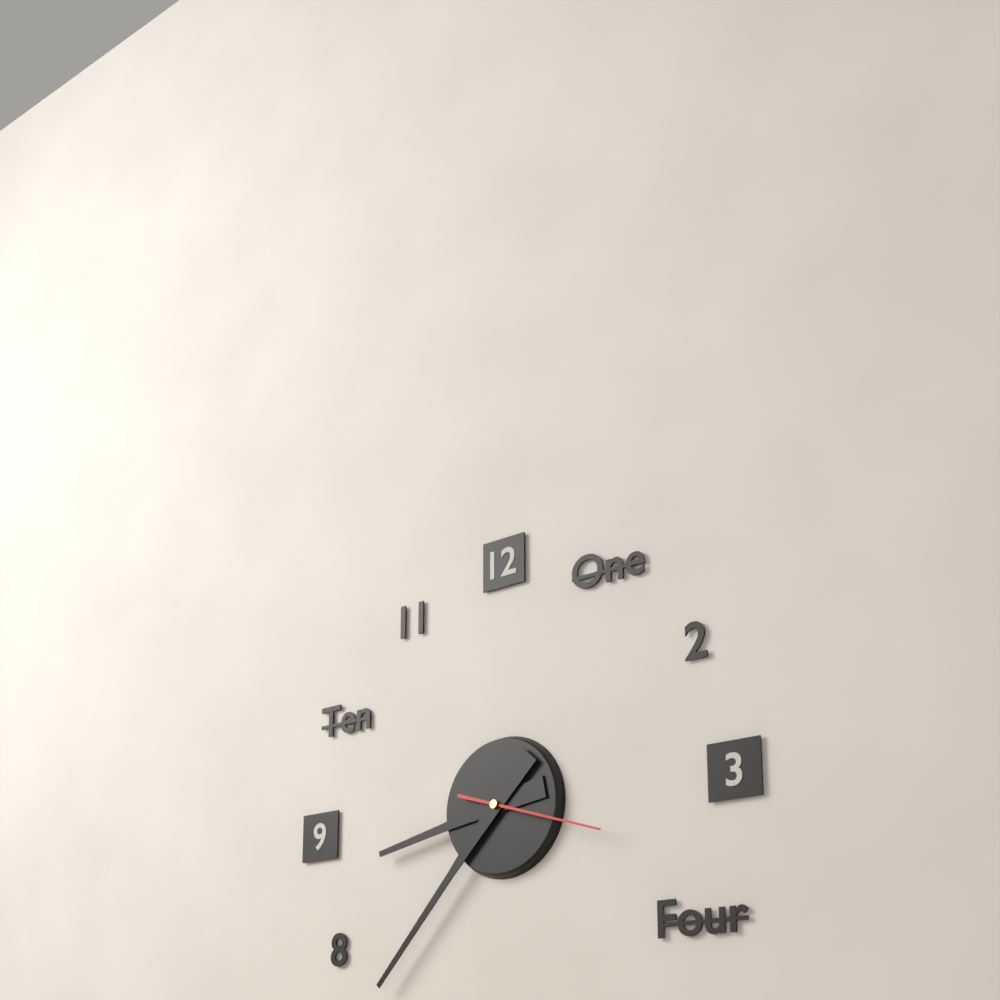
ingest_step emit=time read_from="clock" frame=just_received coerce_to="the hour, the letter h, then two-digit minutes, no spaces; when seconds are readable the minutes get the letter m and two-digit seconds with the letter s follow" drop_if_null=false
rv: 8h37m18s
